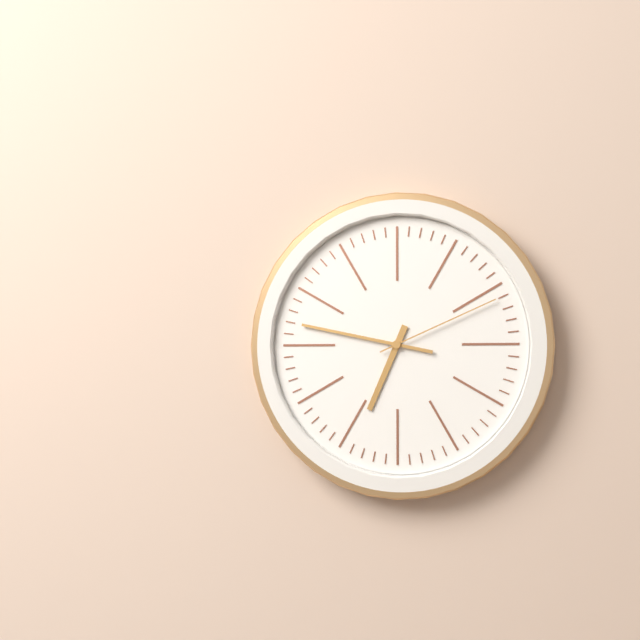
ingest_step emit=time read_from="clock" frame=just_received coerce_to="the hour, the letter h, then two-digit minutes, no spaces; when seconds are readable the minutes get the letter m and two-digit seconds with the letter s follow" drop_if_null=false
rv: 6h47m11s
